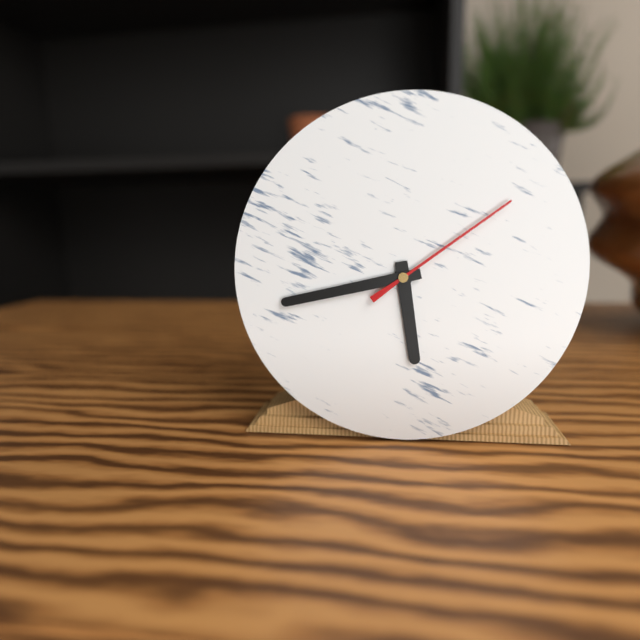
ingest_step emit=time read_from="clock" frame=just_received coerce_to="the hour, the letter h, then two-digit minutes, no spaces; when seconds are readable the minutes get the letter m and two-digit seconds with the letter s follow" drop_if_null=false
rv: 5h43m09s
